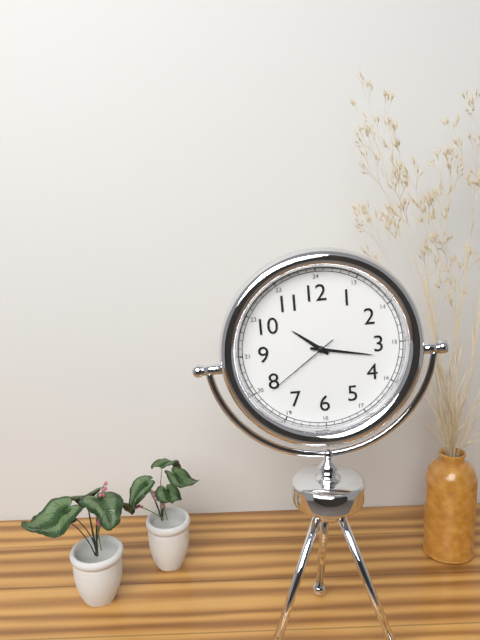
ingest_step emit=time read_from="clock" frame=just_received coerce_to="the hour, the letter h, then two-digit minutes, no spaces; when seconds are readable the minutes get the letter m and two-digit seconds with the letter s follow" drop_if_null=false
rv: 10h17m39s
